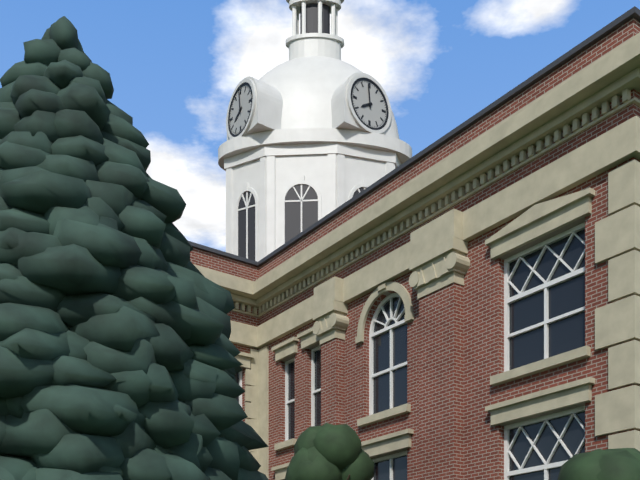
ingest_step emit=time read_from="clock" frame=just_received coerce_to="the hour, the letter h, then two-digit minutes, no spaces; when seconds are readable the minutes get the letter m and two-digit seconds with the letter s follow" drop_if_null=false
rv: 7h59
